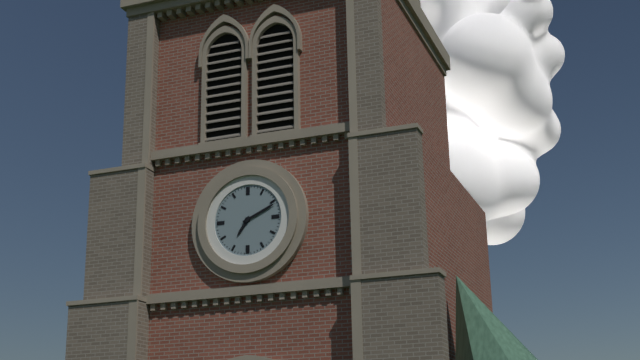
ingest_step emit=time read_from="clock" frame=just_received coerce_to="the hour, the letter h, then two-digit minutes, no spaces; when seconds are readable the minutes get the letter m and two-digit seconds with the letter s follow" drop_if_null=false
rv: 7h11
